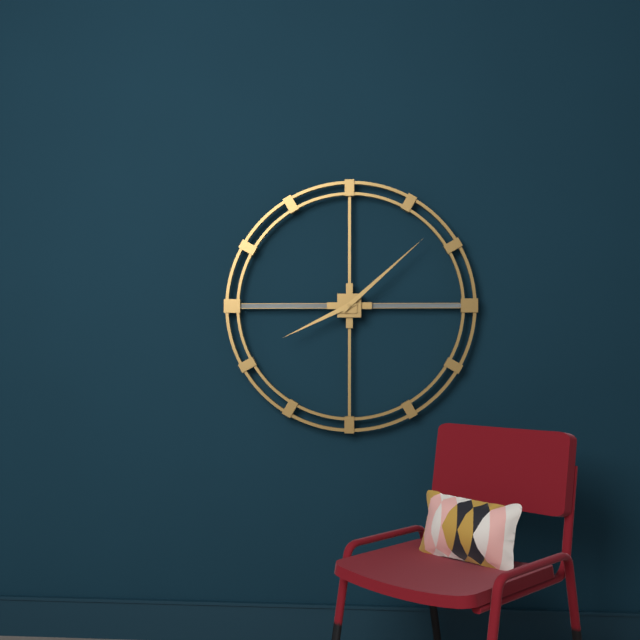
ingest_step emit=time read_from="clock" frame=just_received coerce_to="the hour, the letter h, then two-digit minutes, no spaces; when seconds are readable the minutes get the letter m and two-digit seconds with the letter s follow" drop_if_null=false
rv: 8h08
